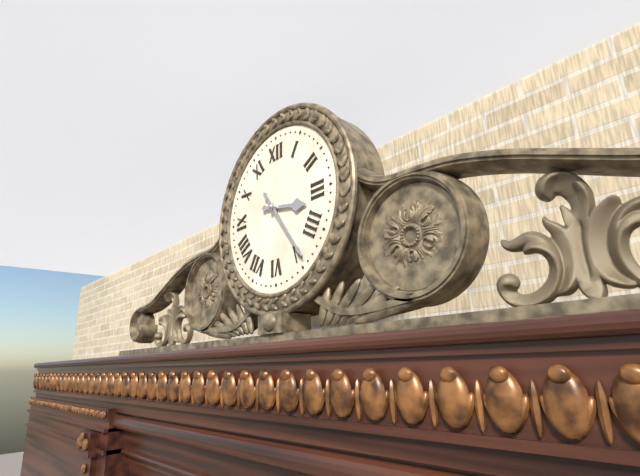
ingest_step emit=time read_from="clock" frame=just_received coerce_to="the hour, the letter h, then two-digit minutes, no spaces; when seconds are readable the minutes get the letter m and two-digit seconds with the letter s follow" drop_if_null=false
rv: 3h24
